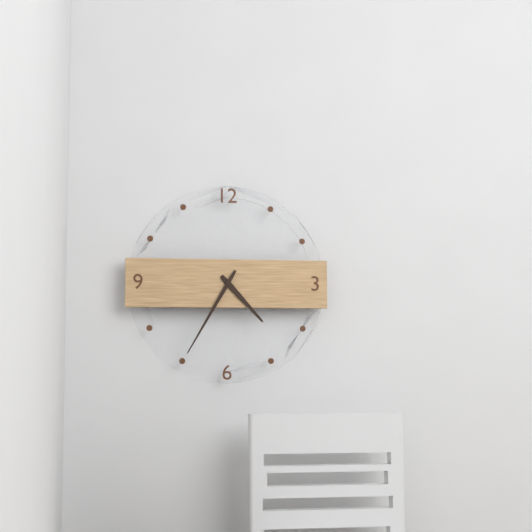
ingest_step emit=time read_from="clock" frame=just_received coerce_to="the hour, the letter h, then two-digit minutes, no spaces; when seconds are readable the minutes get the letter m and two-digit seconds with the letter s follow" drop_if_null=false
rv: 4h35
